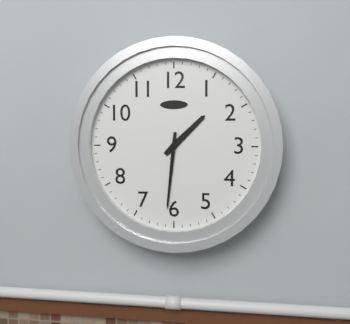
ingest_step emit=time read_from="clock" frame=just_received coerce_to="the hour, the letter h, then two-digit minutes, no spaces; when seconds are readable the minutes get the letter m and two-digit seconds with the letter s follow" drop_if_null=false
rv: 1h31
